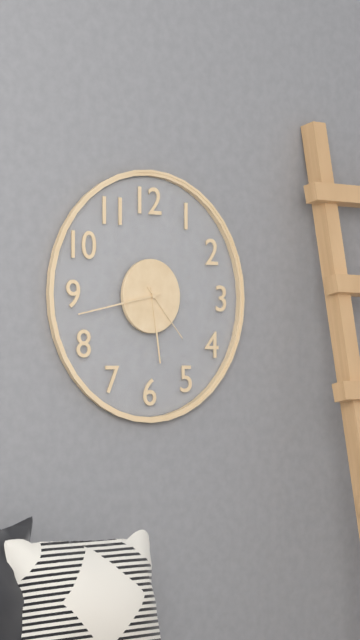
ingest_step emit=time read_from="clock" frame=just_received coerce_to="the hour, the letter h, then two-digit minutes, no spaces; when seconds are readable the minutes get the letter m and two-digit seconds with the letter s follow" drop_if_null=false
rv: 5h43m23s
